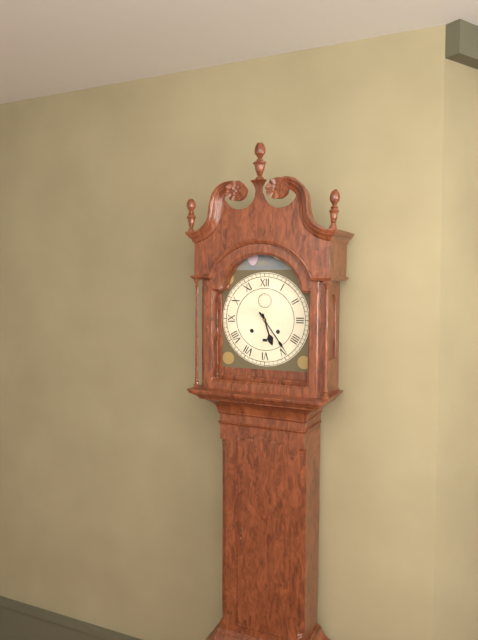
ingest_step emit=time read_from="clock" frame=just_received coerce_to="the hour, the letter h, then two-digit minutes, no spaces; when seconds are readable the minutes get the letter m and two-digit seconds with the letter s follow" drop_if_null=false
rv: 5h24
